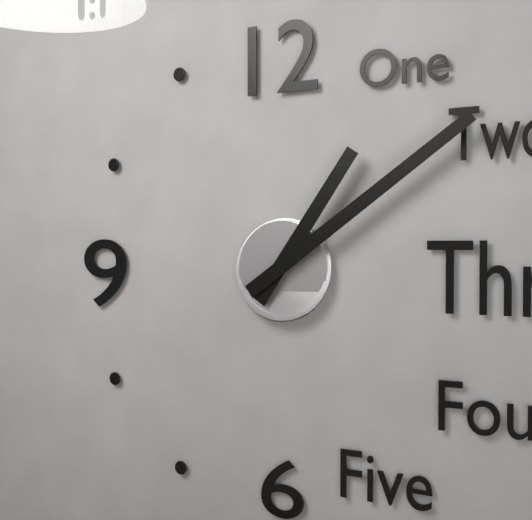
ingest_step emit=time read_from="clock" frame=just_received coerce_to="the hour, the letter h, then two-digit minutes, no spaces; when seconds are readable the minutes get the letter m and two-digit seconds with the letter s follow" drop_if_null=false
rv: 1h09
